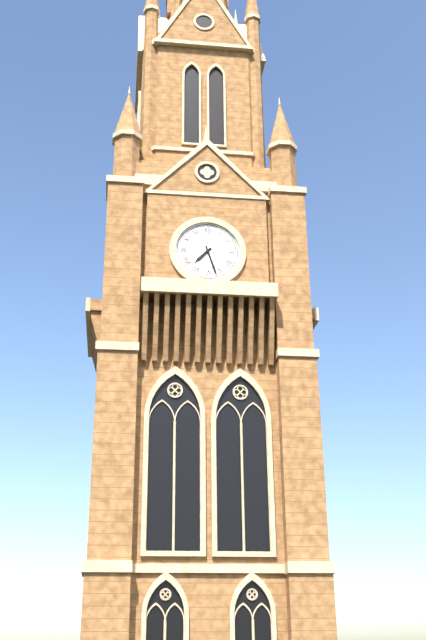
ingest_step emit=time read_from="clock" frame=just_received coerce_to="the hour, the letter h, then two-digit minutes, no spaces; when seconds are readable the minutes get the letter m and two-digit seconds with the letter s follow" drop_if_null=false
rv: 7h27
